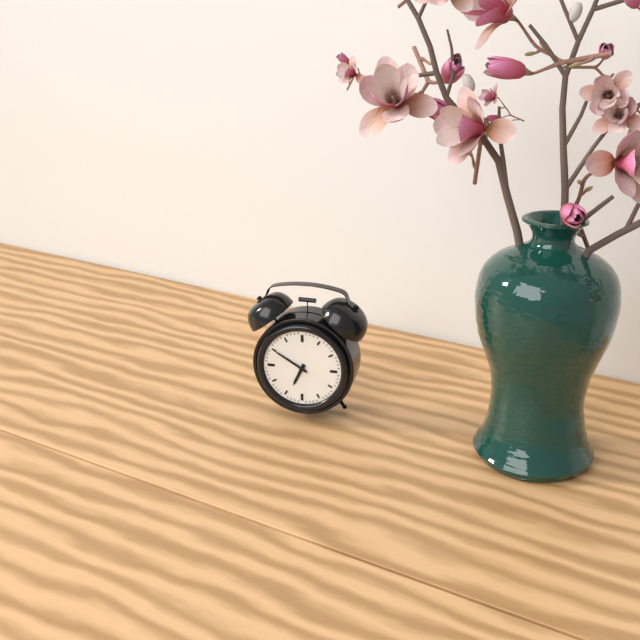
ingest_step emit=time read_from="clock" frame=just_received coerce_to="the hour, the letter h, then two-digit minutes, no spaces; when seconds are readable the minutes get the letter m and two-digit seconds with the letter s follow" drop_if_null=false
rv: 6h50
